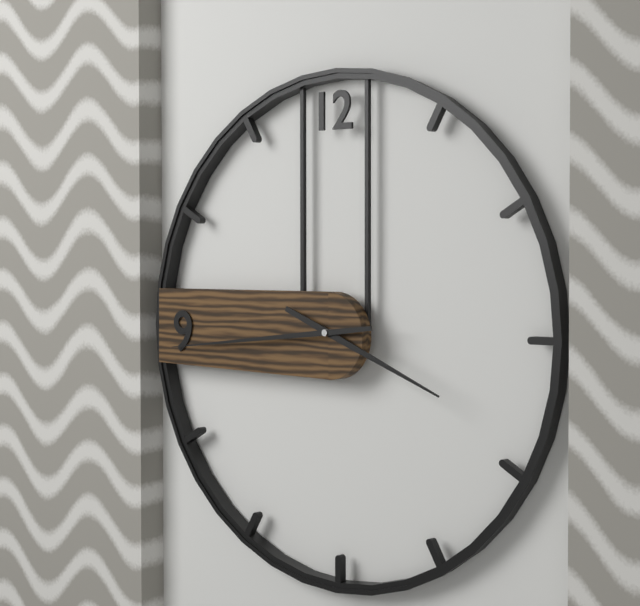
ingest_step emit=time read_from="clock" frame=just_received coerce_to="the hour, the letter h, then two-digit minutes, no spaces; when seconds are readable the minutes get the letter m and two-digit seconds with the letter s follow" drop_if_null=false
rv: 3h44
